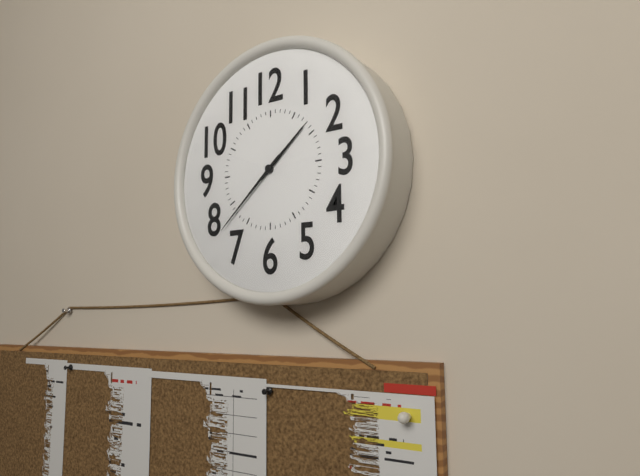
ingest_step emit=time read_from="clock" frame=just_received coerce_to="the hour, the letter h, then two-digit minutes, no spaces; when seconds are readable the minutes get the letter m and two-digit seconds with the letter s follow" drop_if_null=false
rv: 1h38
